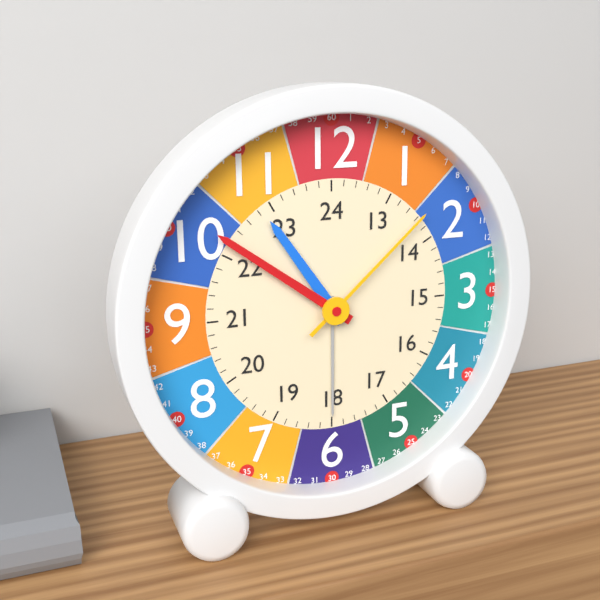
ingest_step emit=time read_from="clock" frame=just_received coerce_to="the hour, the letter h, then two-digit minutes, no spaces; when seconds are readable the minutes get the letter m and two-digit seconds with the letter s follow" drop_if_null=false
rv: 10h51m08s
